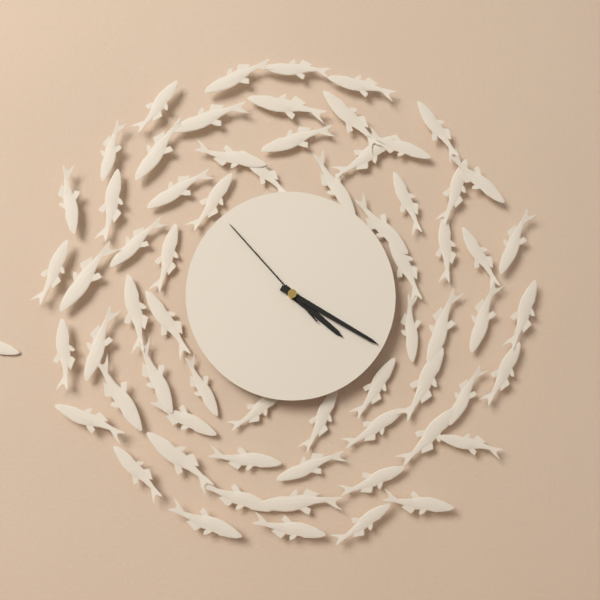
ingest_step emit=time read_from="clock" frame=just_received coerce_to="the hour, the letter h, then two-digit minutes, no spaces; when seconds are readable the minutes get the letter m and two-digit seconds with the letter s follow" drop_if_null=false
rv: 4h20m53s
